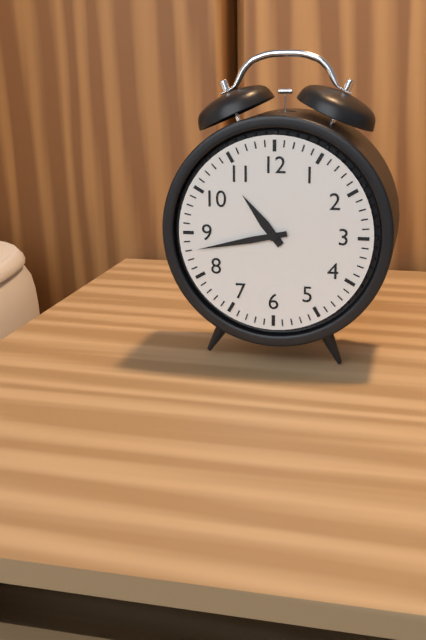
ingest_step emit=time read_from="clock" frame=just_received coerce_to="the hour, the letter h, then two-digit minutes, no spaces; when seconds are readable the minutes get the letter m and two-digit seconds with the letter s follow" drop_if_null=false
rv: 10h43
